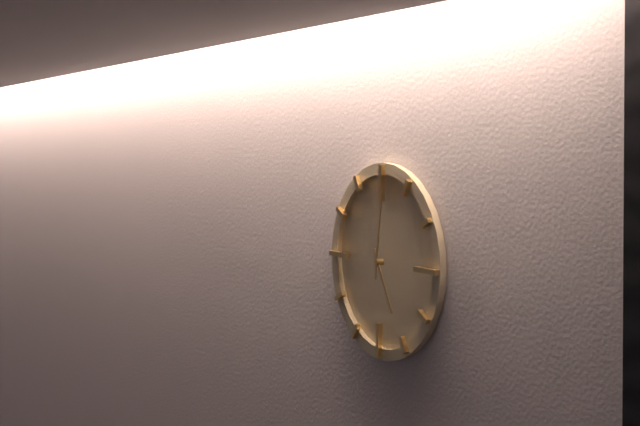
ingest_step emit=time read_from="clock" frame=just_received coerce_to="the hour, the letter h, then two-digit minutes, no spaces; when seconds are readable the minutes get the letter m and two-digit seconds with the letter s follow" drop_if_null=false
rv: 5h01
